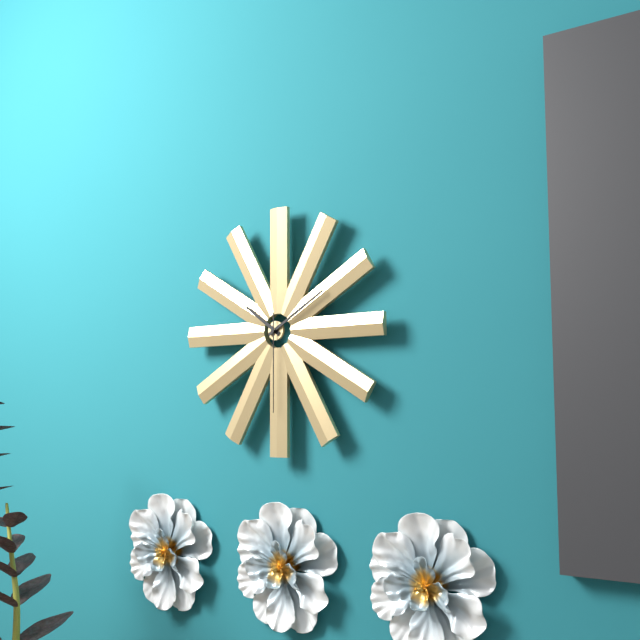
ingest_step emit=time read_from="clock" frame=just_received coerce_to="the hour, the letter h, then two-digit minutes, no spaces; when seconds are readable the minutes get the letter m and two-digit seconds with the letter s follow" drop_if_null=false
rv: 10h10m30s
